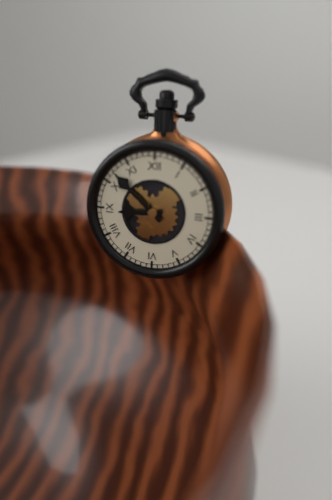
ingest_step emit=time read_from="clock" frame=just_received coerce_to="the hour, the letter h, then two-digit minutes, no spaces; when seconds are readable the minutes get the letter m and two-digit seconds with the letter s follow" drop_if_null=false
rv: 8h52
